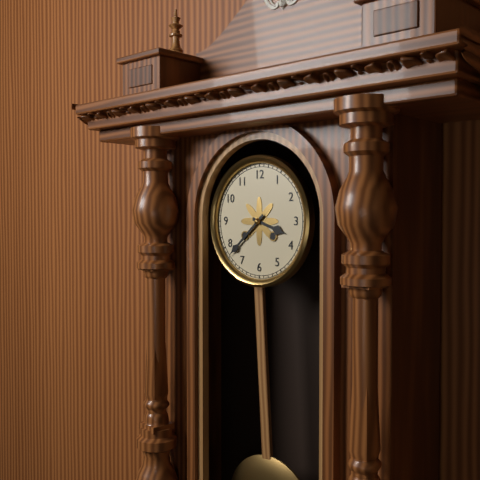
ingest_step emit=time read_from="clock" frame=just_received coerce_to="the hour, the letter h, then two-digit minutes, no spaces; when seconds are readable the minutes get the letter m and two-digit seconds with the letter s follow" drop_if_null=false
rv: 3h38
